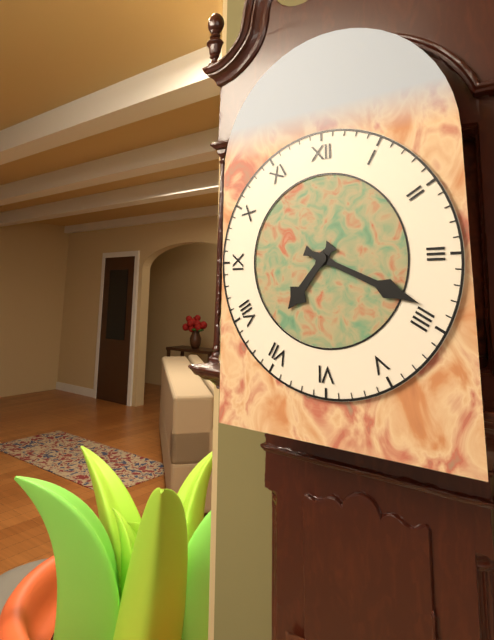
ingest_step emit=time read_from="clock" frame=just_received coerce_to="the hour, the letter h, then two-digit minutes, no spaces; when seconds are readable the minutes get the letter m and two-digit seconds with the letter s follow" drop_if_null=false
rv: 7h19
